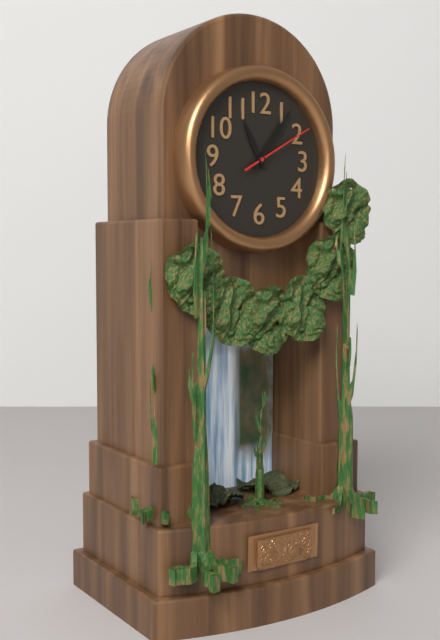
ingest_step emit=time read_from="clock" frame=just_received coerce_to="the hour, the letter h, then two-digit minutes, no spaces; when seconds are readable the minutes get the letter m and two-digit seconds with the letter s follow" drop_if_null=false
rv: 11h06m10s
